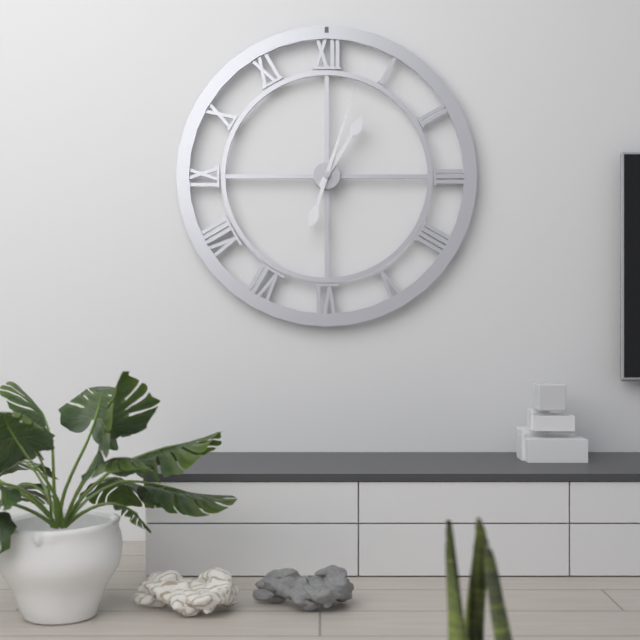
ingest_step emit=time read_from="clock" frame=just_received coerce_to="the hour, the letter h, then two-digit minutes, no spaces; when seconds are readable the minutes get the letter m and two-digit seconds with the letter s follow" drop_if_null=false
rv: 1h03
